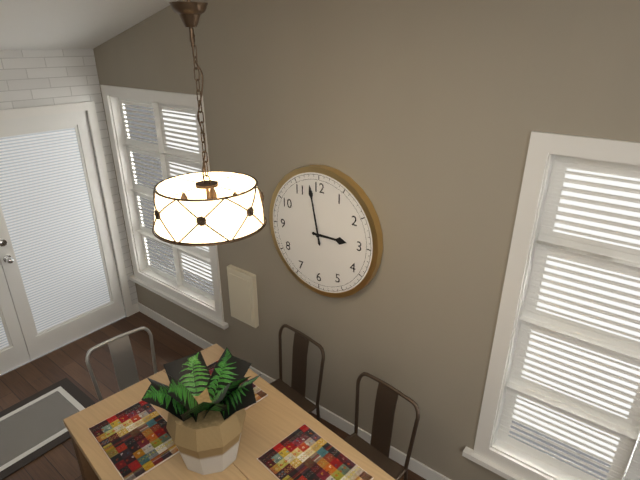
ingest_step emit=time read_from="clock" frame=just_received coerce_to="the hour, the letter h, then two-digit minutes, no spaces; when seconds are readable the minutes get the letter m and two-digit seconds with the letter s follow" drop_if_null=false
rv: 2h58
